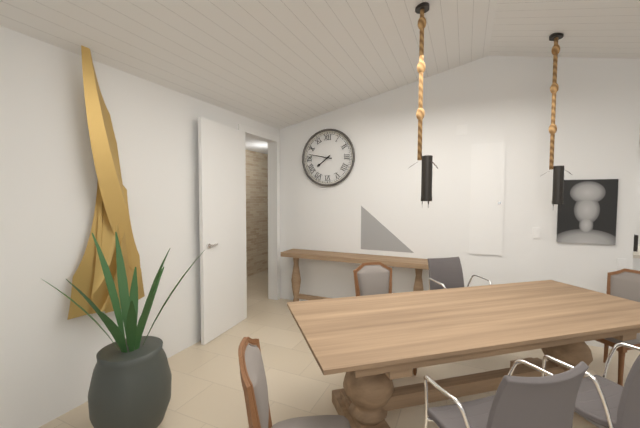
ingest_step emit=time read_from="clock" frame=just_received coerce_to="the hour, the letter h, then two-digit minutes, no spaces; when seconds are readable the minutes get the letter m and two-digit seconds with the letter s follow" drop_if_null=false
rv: 7h47
